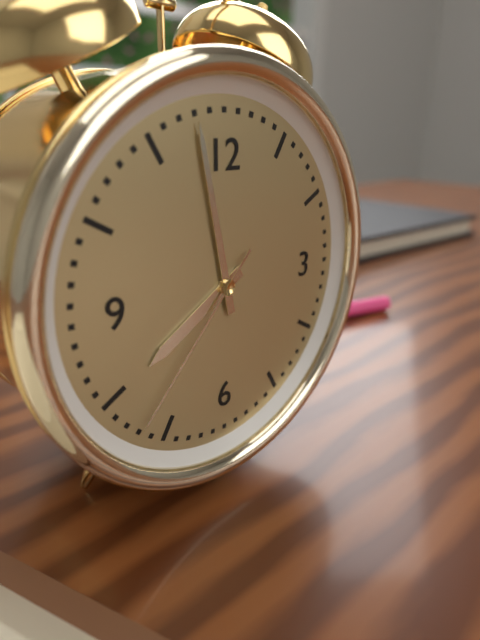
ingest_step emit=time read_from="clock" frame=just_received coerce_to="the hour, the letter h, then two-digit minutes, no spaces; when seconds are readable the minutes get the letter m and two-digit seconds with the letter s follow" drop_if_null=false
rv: 7h58m37s
